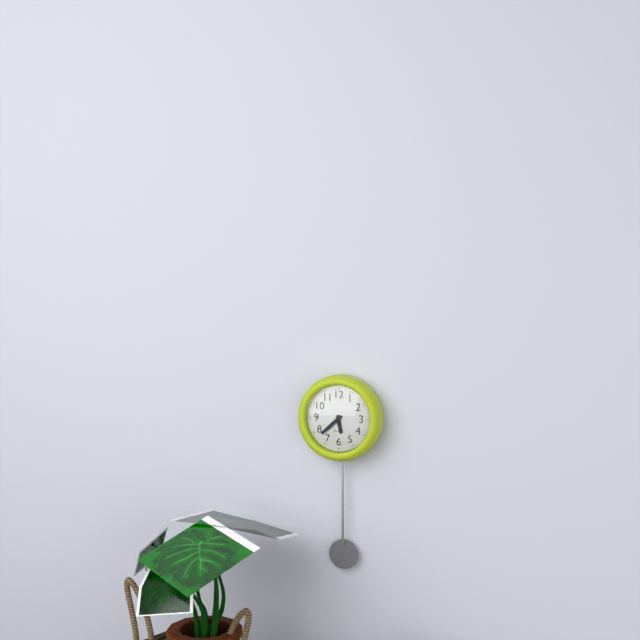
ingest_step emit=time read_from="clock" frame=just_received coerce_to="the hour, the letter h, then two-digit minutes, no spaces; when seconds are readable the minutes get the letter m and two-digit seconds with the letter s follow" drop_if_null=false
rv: 5h38
